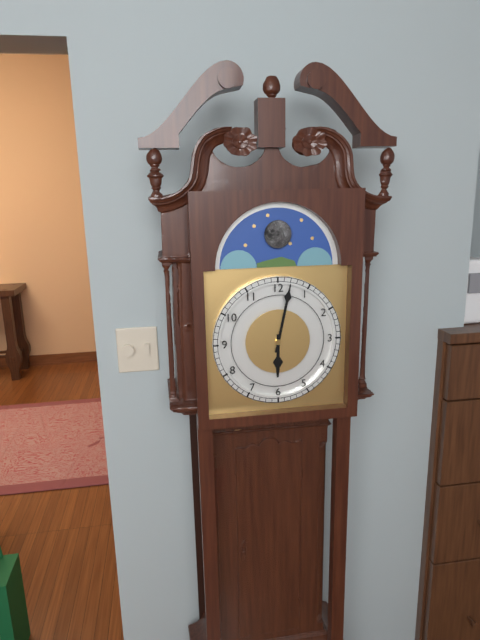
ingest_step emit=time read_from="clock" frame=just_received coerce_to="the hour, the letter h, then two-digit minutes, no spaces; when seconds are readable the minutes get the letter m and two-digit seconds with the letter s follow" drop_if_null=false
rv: 6h02
